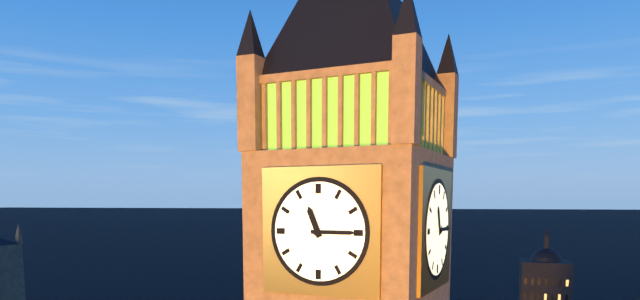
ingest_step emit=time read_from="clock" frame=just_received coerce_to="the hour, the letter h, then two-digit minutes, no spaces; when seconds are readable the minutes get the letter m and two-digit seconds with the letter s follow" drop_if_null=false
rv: 11h15
